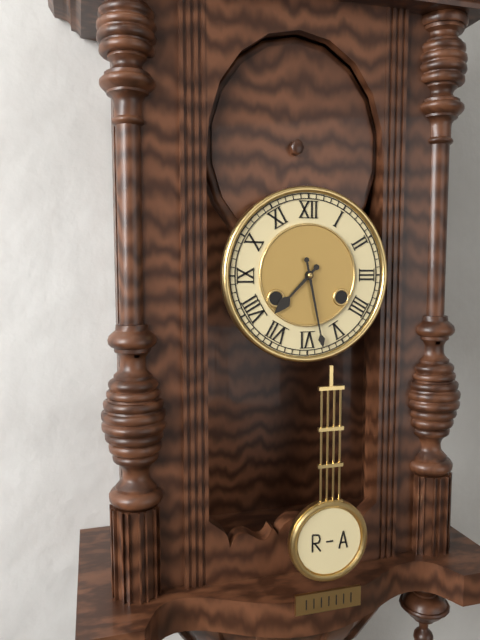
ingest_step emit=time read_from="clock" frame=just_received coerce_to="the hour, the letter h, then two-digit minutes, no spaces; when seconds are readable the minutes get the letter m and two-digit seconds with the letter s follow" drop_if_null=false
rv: 7h28
